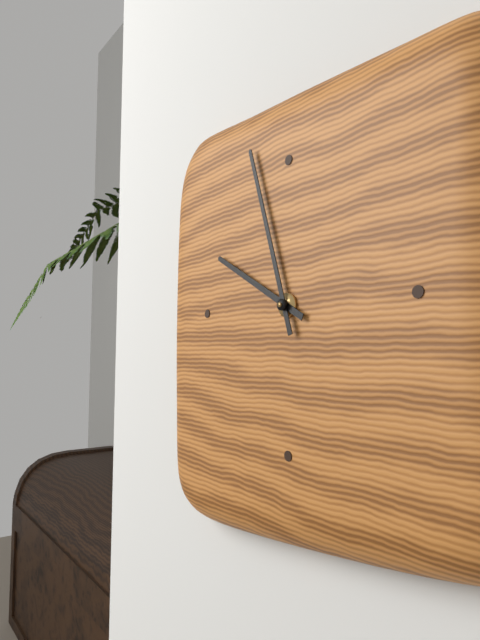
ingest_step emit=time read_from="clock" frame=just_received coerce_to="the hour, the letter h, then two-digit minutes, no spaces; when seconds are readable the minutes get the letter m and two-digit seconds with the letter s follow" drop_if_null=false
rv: 9h57
